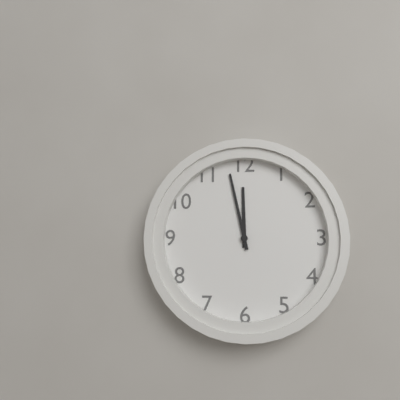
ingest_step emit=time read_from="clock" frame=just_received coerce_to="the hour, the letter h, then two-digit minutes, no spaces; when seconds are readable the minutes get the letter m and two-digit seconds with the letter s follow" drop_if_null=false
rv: 11h58
